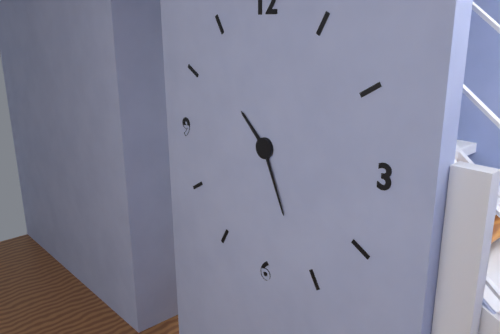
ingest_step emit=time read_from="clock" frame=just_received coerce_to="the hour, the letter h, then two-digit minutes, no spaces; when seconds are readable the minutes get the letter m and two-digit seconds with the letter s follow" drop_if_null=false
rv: 10h26
